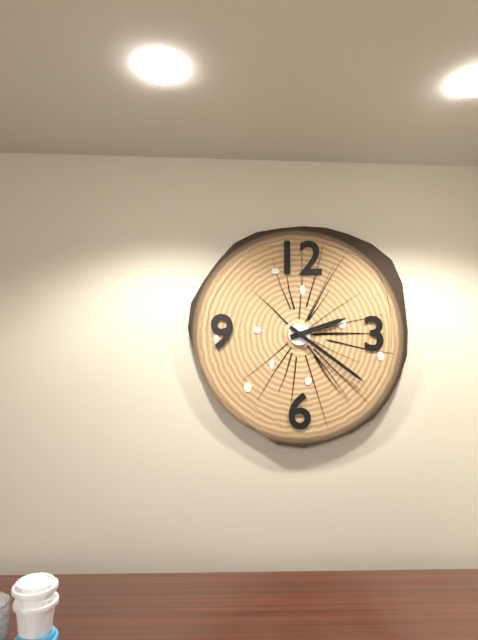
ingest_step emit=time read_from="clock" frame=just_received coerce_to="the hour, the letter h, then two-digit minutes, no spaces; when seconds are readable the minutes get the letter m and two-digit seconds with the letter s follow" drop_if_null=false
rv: 2h21
